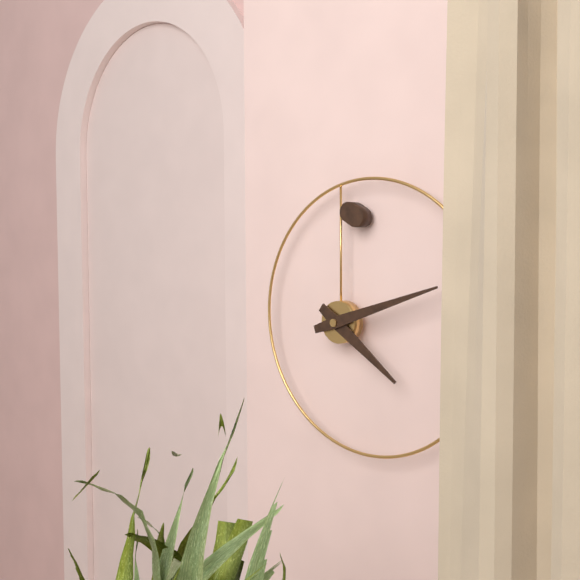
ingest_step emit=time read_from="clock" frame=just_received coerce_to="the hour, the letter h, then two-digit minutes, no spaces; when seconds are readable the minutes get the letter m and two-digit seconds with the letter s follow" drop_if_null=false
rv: 4h12
